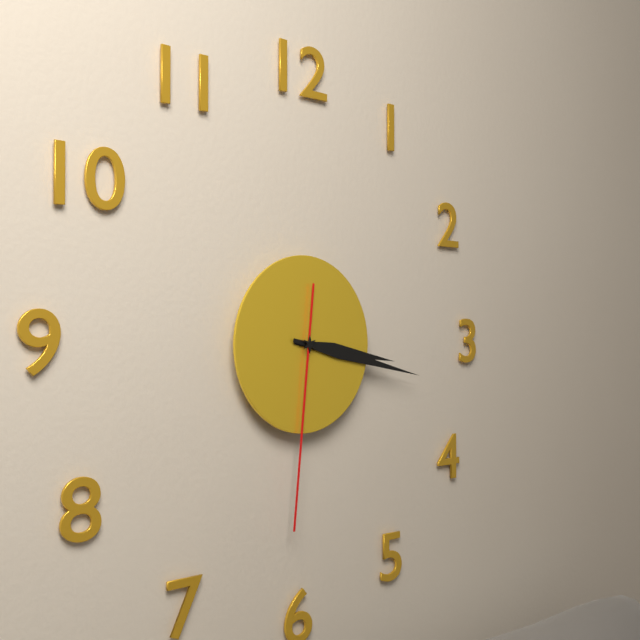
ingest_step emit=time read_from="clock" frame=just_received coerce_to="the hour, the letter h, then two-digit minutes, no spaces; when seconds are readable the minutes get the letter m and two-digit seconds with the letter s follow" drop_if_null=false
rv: 3h17m31s
